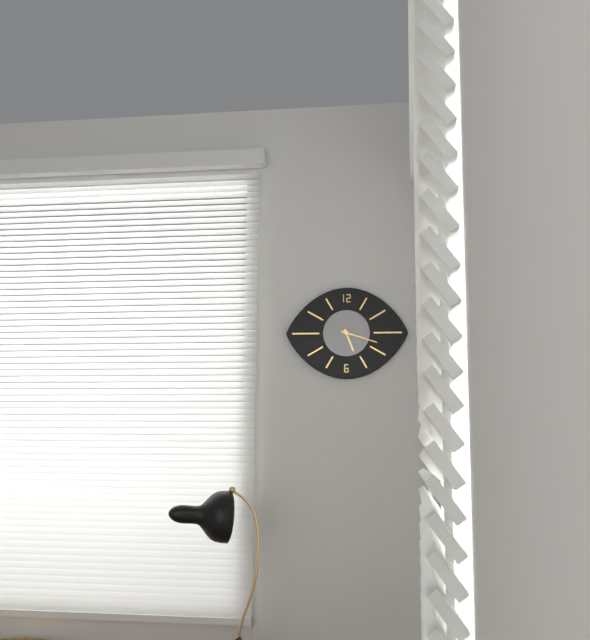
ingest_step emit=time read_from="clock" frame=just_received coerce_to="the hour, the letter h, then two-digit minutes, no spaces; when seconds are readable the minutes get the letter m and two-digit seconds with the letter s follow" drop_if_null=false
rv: 5h18
